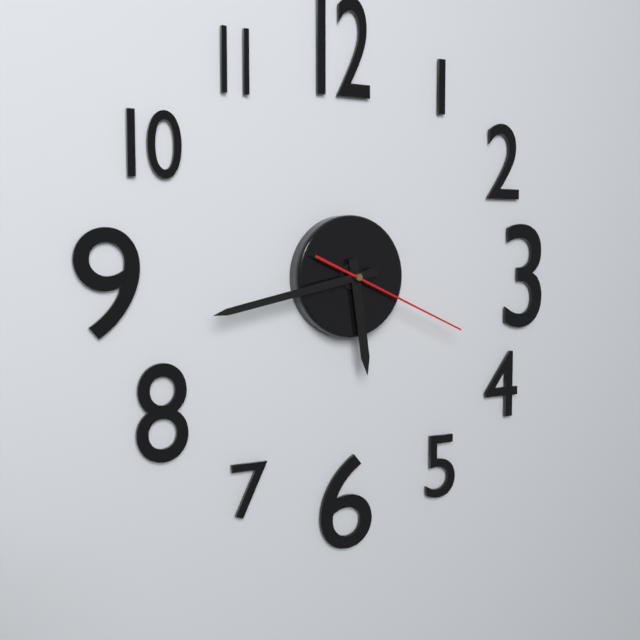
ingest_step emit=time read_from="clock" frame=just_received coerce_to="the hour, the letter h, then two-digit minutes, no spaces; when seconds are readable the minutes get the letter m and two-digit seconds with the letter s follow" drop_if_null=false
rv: 5h43m19s
